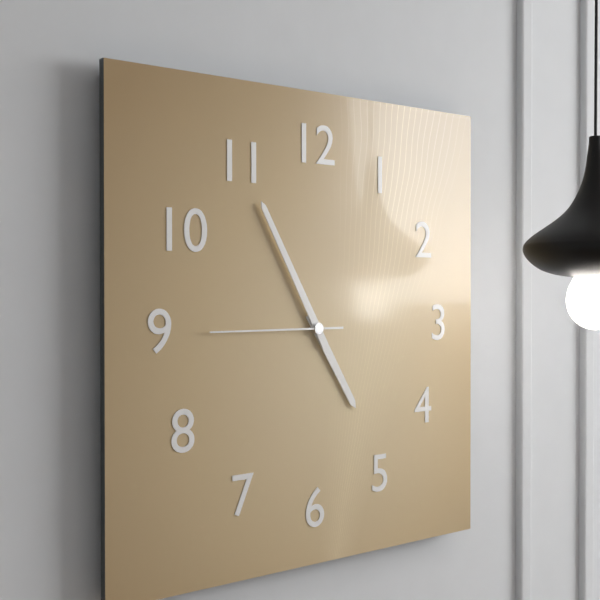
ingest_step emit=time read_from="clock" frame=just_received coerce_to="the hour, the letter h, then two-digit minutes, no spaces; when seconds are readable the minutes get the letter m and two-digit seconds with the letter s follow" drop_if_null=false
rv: 4h55m45s
